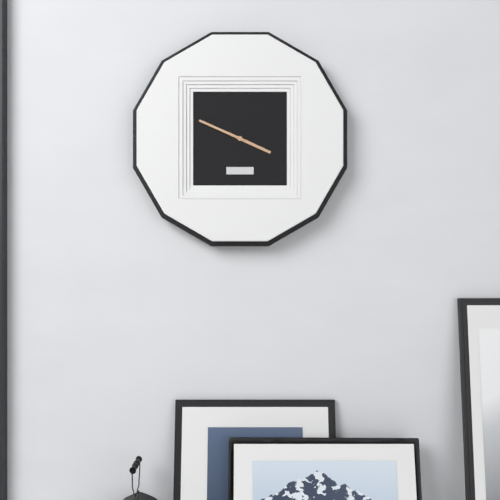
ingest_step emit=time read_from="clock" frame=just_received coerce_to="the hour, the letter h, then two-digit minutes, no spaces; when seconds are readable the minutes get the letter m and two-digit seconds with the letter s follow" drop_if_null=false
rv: 3h49
